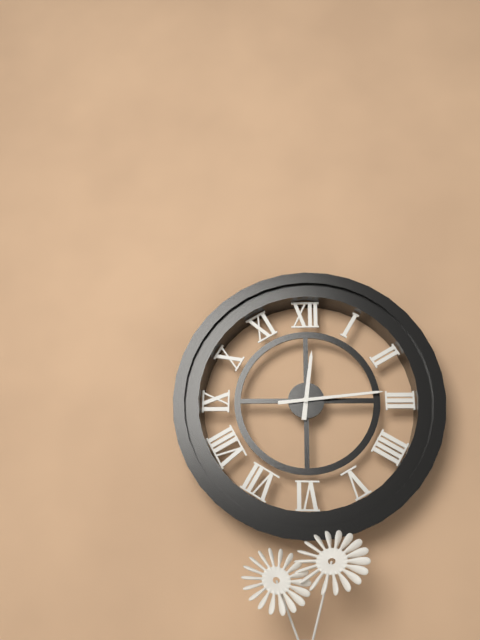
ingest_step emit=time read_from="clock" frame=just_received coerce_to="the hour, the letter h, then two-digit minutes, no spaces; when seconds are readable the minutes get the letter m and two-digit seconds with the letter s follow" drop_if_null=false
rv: 12h14
